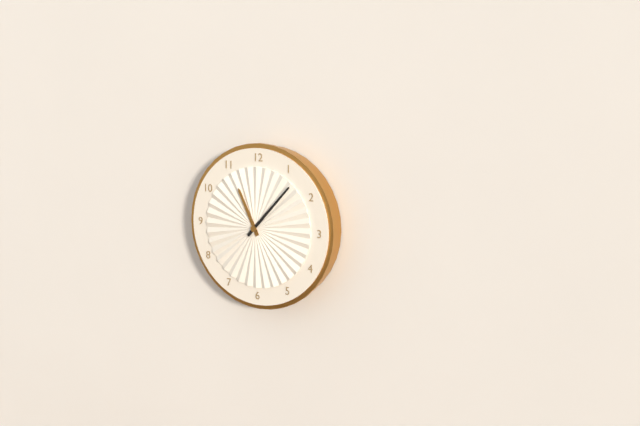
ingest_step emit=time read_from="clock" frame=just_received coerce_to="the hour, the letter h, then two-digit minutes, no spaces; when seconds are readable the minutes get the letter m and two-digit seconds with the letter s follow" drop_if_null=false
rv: 11h07
